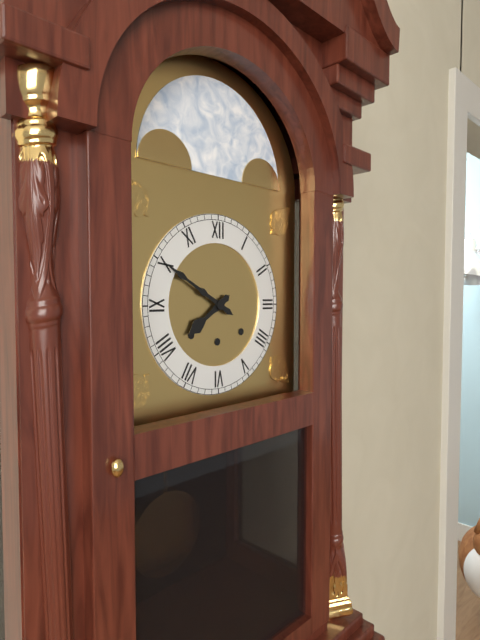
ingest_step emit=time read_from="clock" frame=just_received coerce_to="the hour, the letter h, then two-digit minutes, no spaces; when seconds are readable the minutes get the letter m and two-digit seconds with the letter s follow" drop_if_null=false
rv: 7h50
